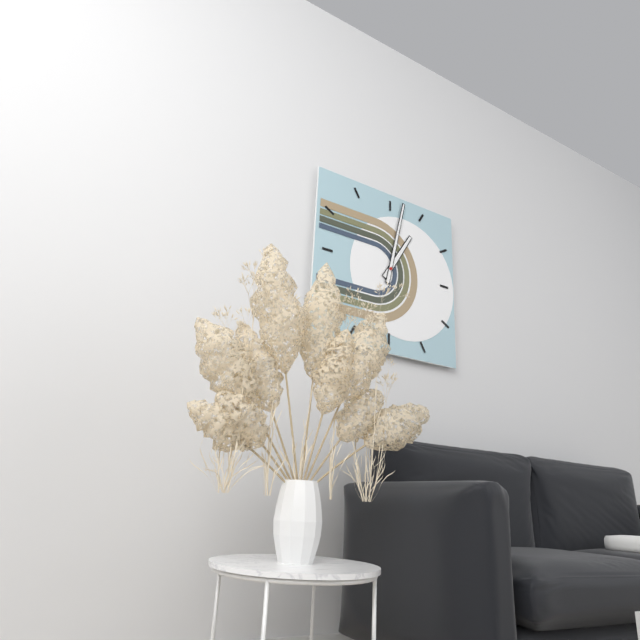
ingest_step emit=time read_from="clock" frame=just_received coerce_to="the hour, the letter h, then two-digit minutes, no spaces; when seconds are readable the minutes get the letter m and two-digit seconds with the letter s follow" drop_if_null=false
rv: 1h02
